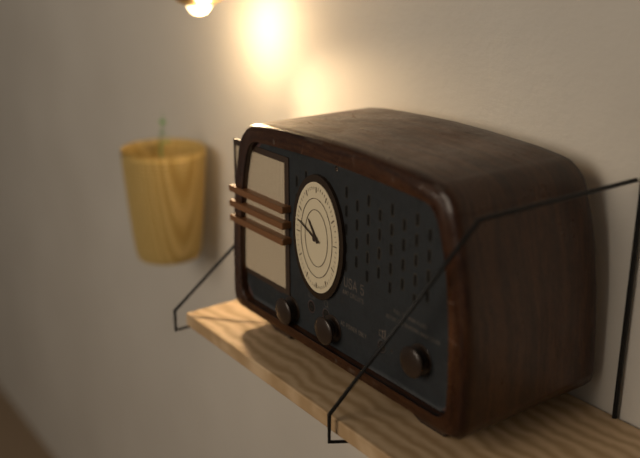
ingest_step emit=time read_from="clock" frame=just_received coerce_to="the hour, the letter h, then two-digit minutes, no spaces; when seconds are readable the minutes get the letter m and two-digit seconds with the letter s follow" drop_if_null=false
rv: 10h49
